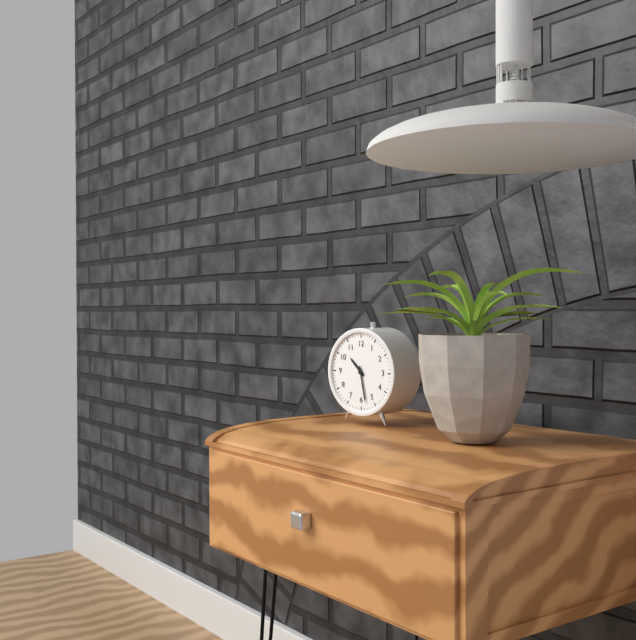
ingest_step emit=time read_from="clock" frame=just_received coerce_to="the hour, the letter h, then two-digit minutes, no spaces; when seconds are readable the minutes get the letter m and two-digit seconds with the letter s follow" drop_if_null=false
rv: 10h28
